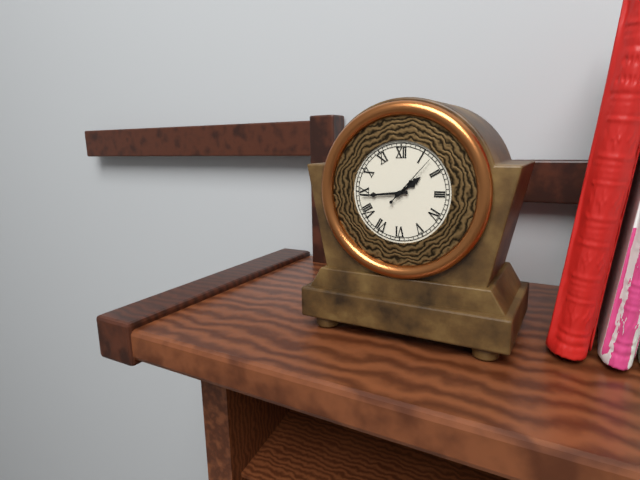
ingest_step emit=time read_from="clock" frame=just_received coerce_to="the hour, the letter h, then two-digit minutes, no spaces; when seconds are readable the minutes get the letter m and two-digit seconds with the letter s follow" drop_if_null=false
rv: 1h44m07s
